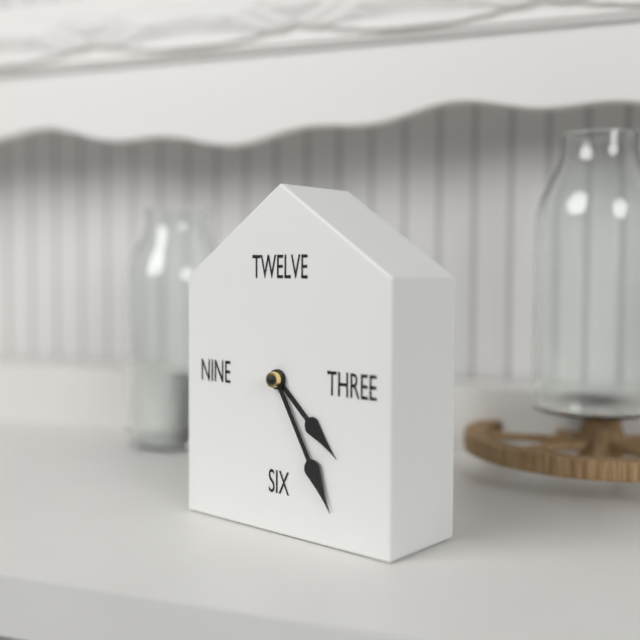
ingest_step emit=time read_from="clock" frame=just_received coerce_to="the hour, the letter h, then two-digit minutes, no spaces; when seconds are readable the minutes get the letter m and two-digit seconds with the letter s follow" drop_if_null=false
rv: 4h25
